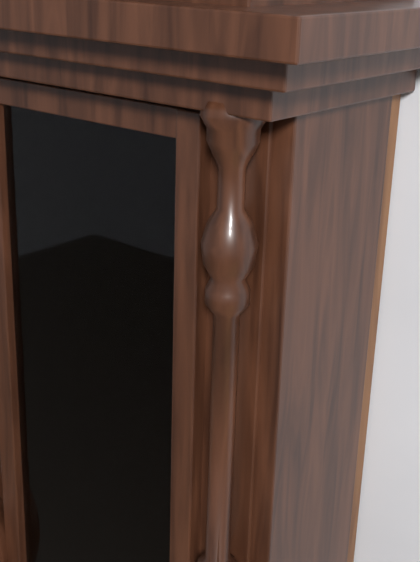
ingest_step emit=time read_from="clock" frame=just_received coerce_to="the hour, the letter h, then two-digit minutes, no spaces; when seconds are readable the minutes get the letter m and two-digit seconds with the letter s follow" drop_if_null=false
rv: 12h00
